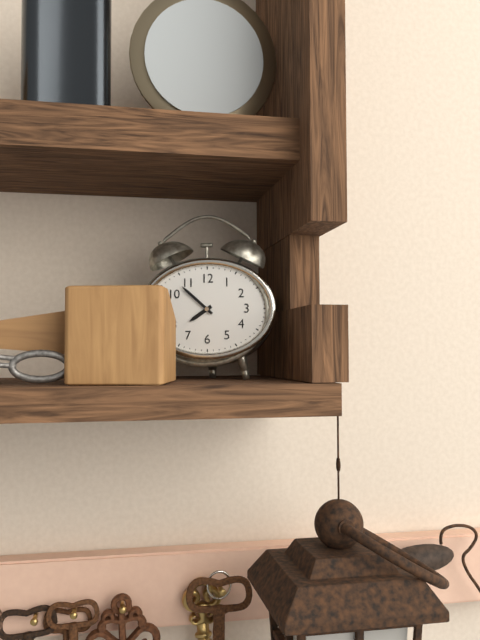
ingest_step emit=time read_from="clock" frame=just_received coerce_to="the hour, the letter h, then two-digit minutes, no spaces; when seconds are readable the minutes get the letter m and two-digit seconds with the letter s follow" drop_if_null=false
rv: 7h52
